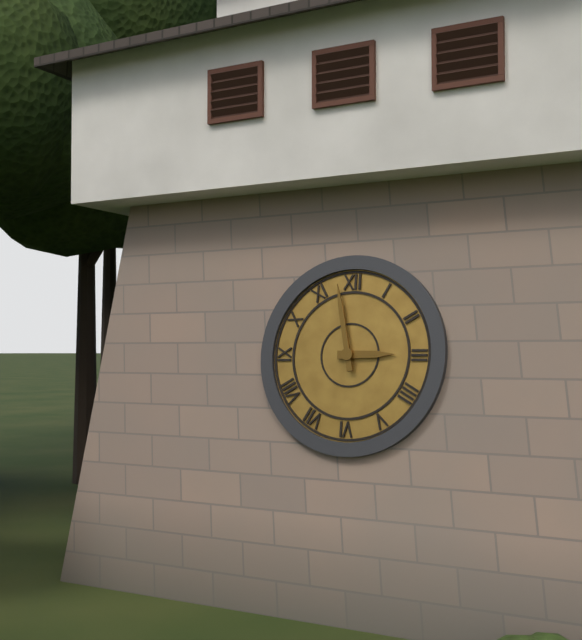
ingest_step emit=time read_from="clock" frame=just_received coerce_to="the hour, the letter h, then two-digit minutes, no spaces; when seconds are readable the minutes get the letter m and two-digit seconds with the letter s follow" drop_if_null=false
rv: 2h58
